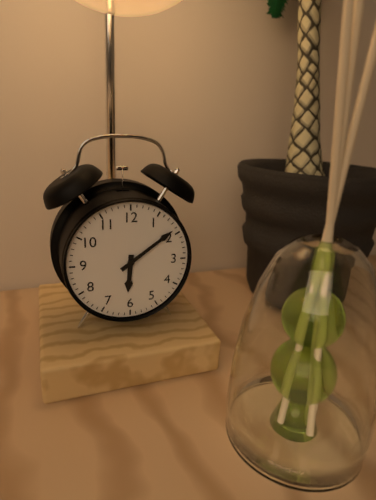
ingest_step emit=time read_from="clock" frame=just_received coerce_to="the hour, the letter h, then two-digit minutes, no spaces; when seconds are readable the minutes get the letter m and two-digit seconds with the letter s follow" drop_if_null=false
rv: 6h09
